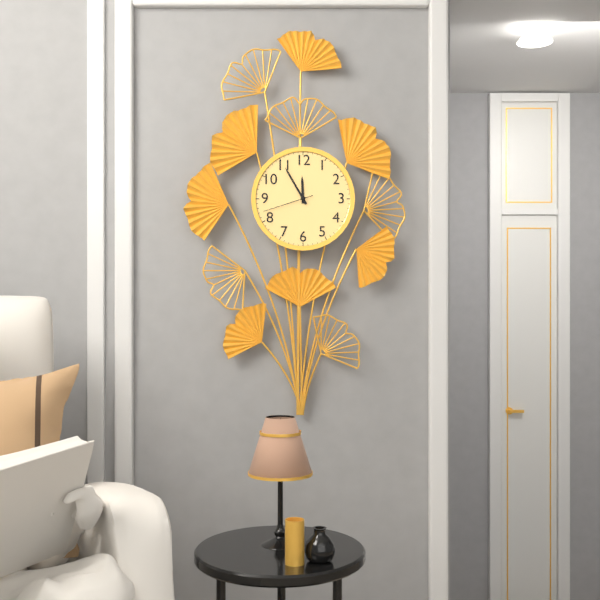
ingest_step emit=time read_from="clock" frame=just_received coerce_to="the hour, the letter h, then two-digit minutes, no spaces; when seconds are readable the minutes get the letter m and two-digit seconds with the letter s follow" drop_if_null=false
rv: 11h55m42s
